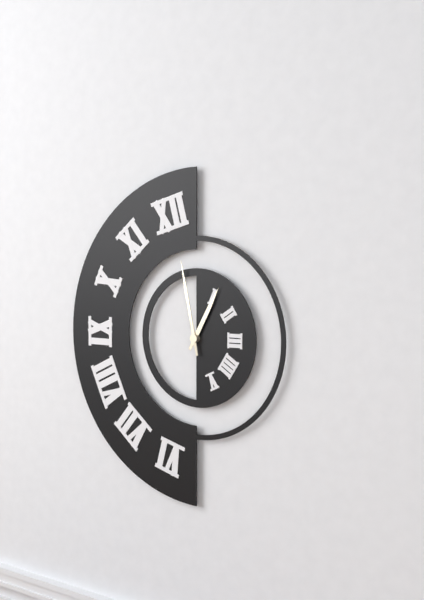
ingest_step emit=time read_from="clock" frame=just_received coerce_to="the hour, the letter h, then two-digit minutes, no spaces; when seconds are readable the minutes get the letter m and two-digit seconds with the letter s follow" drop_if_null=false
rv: 12h58
